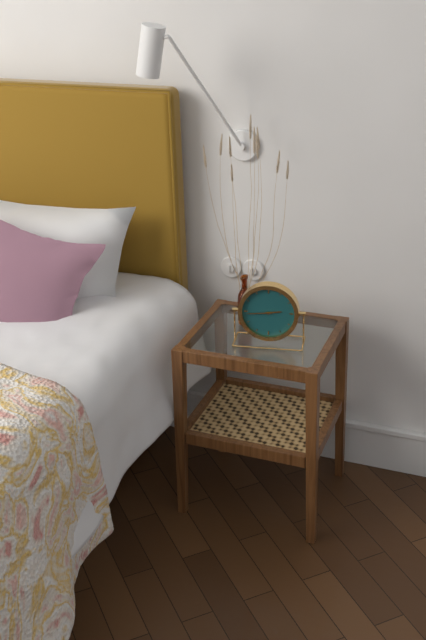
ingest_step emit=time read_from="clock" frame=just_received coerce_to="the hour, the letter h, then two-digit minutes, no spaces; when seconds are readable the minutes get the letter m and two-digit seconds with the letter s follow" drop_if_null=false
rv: 2h44
